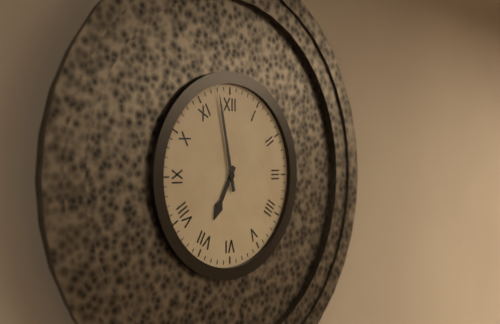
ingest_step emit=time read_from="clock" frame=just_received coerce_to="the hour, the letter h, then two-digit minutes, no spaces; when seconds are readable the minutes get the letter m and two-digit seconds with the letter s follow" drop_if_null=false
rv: 6h58
